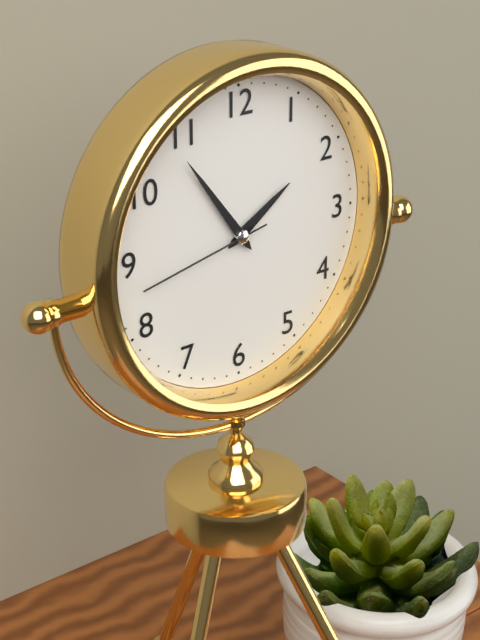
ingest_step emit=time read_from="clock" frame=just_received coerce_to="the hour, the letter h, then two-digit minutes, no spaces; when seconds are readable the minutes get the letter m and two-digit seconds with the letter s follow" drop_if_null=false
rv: 1h54m43s
